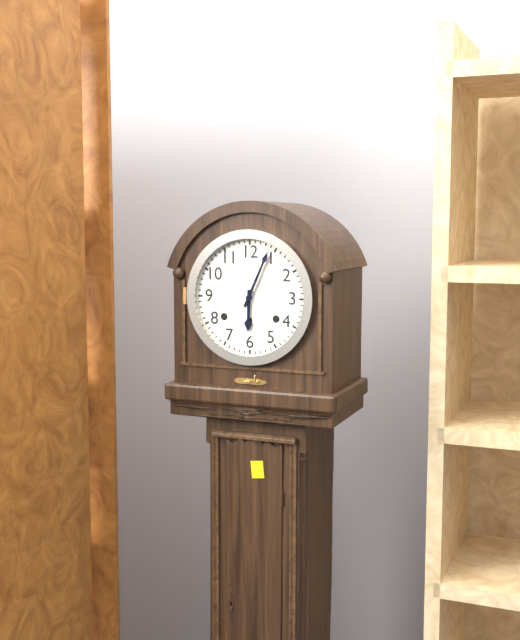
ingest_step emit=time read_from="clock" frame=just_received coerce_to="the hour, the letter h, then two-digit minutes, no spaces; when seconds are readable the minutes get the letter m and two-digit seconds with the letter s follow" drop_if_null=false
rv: 6h04
